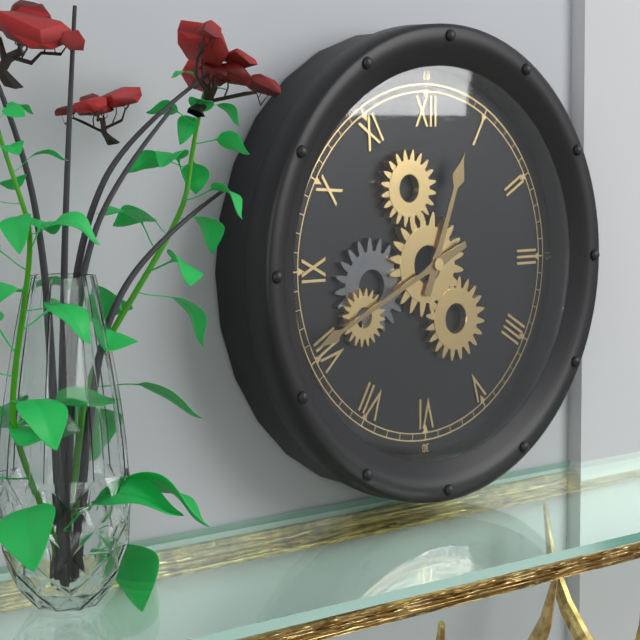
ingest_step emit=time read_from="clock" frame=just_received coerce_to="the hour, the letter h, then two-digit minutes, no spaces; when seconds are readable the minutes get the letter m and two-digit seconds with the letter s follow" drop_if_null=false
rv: 12h41
